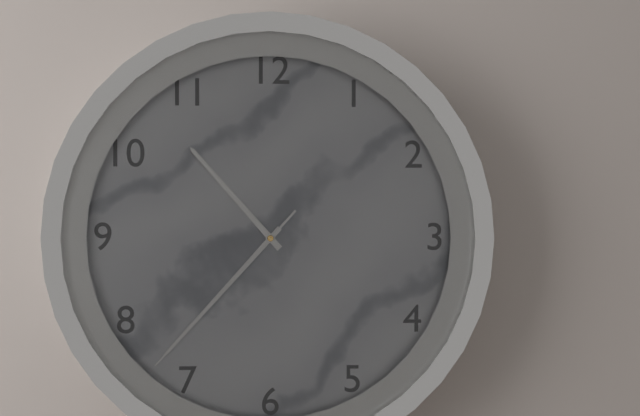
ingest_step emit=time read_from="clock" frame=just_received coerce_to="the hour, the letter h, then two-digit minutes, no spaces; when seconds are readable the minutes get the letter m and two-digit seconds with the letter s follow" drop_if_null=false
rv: 10h37m37s
